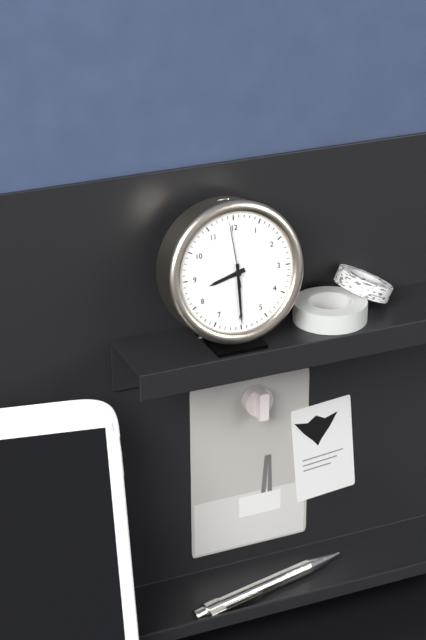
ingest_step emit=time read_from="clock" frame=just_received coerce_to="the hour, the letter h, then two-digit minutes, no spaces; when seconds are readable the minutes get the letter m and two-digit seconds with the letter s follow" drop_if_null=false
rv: 8h30m59s
